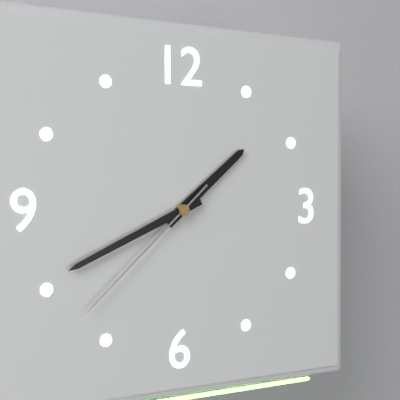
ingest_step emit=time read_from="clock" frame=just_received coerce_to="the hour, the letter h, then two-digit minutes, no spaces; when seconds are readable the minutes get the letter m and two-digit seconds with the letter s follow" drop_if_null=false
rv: 1h41m38s
